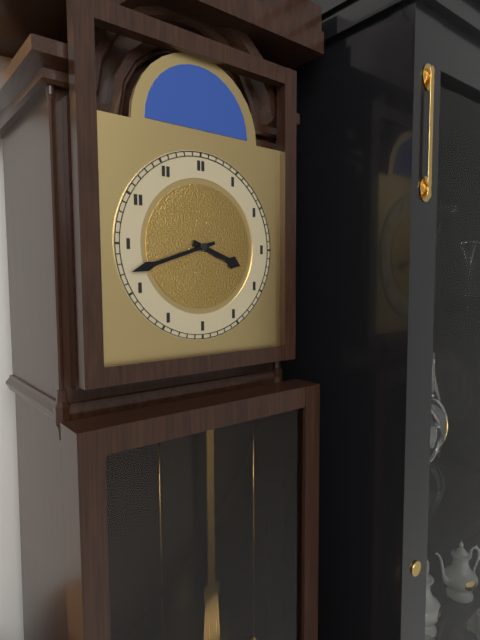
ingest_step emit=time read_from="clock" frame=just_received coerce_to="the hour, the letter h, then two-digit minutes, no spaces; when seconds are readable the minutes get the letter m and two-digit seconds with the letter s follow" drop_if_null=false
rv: 3h42
